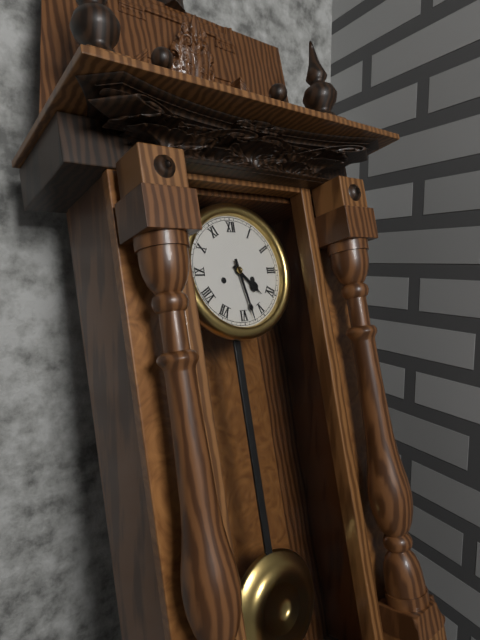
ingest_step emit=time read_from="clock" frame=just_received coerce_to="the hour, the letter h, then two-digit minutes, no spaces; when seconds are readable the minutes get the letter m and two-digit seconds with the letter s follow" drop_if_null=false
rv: 4h28
